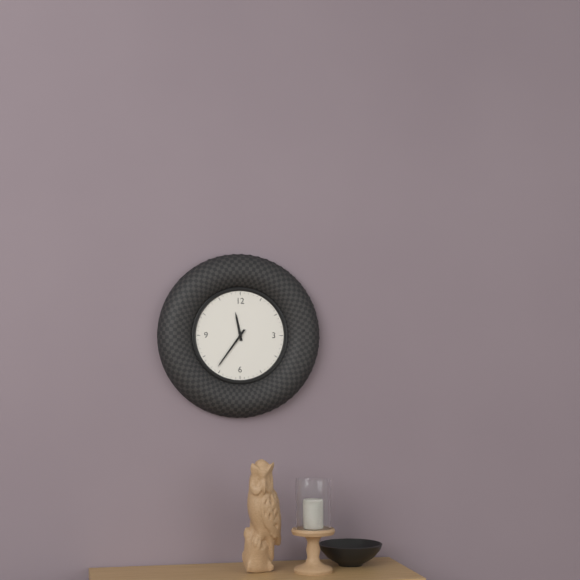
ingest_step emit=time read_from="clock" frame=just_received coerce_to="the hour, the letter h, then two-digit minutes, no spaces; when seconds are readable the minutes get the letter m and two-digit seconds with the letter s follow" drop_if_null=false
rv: 11h36
